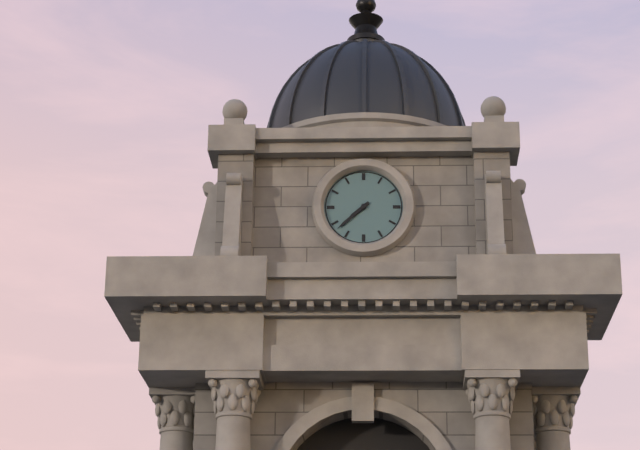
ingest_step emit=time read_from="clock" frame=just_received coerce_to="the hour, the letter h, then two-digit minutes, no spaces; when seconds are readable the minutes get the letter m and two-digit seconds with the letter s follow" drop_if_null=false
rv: 7h38
